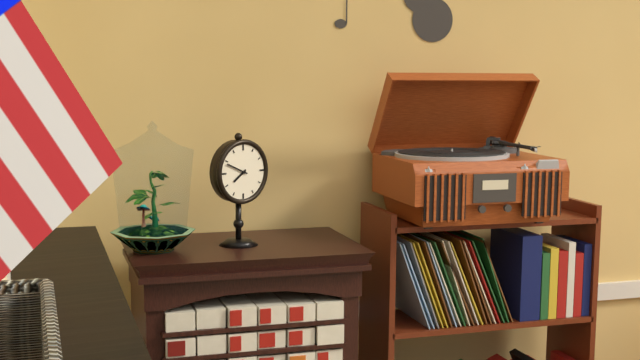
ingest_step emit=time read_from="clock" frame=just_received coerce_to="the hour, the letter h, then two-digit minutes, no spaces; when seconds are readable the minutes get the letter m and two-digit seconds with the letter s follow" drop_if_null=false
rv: 7h49
